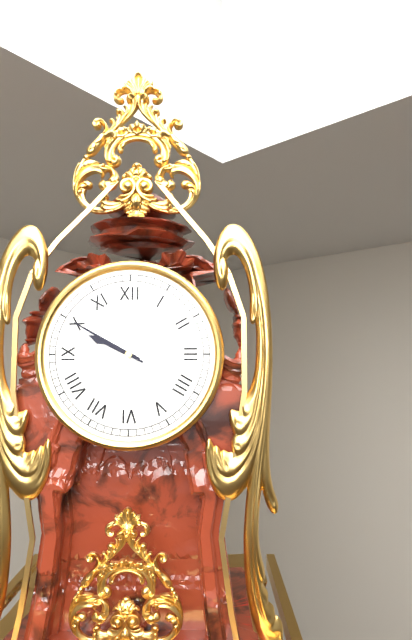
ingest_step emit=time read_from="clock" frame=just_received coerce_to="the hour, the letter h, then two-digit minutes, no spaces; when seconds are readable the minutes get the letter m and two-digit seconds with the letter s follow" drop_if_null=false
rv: 9h50
